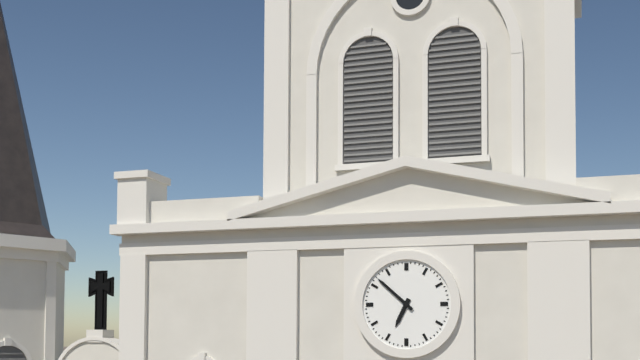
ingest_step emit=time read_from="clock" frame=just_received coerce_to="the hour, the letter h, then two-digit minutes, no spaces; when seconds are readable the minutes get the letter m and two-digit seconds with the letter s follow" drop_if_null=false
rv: 6h52
